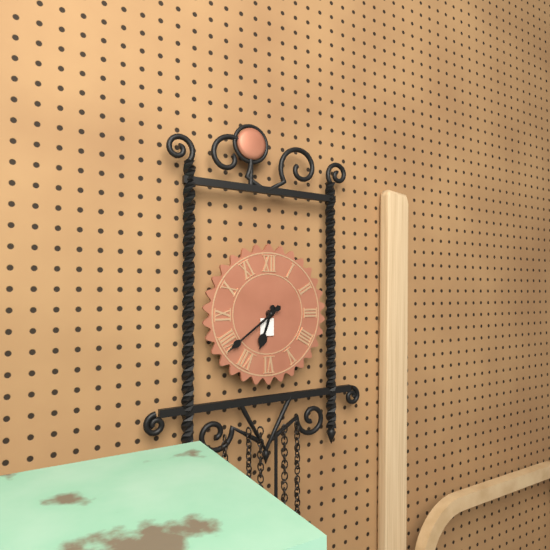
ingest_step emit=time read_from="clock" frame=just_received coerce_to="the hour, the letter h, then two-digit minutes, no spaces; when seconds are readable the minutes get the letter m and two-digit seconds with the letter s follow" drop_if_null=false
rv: 6h39
